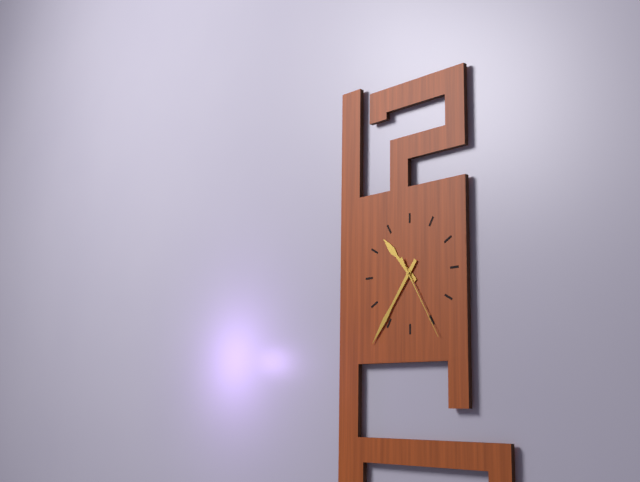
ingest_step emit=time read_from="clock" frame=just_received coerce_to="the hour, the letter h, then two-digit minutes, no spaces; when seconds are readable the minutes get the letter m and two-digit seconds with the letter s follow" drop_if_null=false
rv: 10h36m25s
